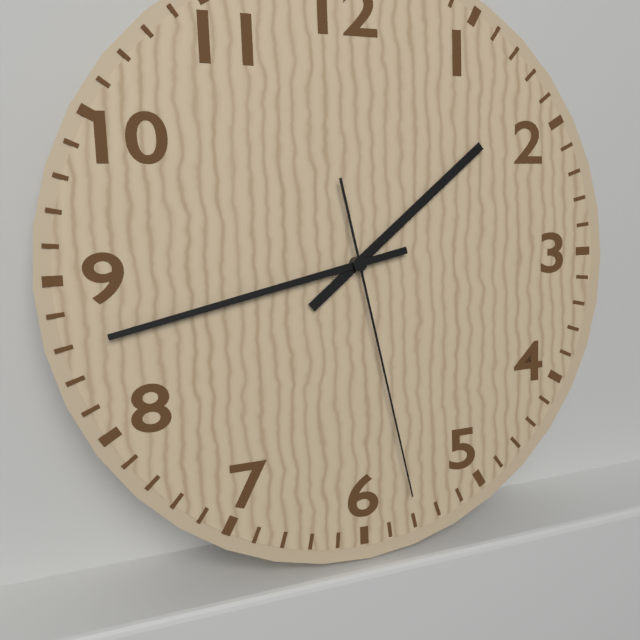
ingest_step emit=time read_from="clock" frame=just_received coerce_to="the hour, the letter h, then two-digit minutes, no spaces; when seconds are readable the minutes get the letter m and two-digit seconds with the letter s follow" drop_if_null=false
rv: 1h43m28s
